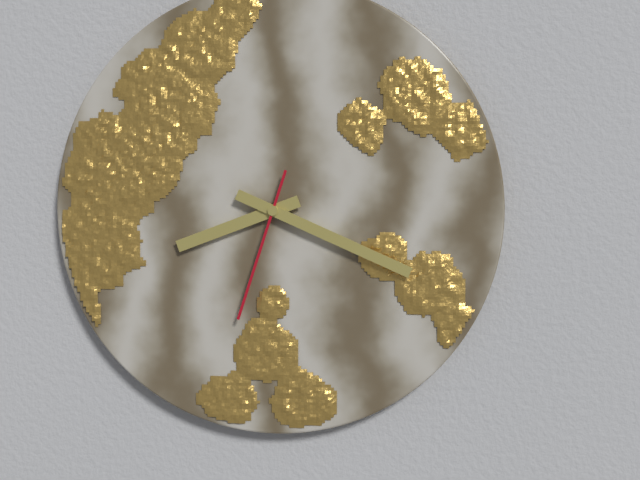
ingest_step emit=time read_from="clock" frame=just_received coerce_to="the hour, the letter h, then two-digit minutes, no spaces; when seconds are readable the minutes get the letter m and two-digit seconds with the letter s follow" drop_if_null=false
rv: 8h19m33s
